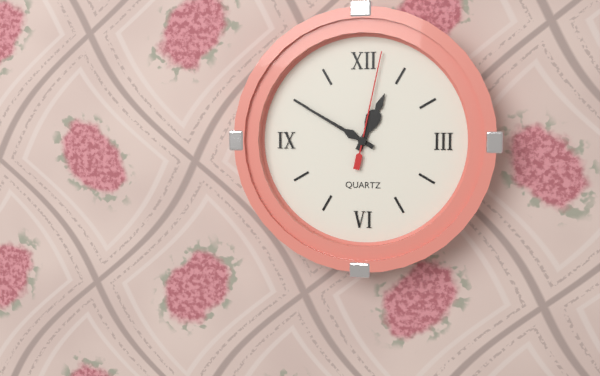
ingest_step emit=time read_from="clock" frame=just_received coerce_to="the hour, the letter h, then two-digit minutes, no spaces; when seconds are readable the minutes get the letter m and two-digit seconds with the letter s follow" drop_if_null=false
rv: 12h50m02s
